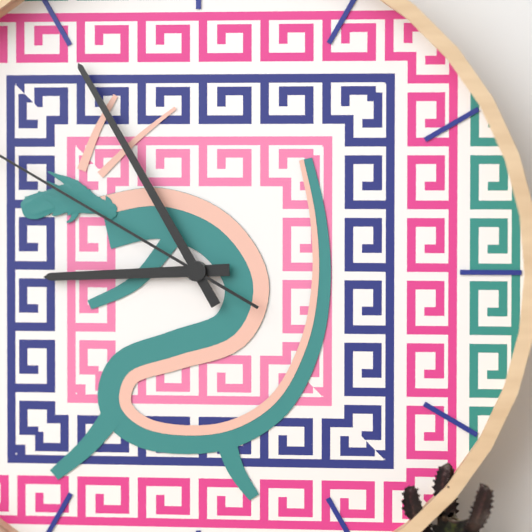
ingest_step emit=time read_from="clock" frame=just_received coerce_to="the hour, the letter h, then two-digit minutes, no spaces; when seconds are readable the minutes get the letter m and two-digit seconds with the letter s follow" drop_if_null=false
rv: 8h55
